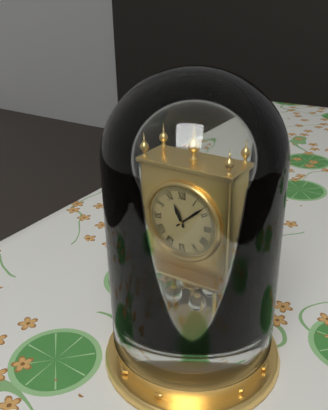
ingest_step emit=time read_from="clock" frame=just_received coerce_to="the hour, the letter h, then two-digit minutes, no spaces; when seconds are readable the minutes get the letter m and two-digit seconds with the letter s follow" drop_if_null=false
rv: 11h08
